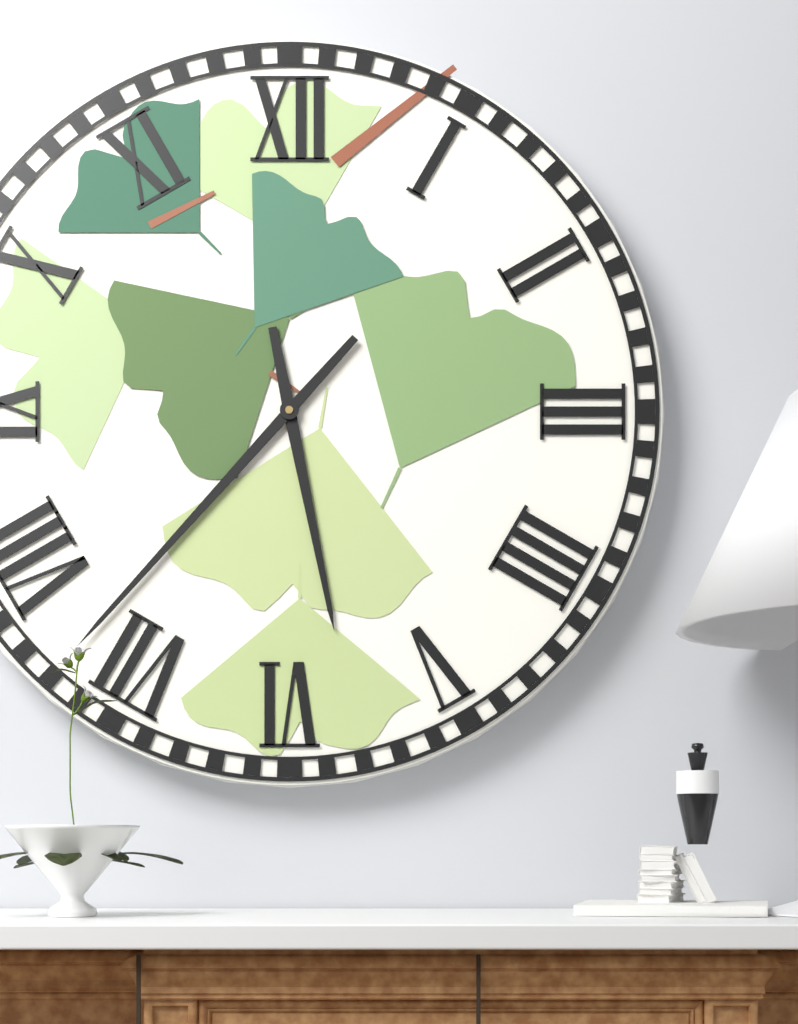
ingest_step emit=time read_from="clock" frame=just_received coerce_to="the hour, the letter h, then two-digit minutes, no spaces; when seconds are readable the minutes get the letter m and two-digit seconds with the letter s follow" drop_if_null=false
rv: 5h37
